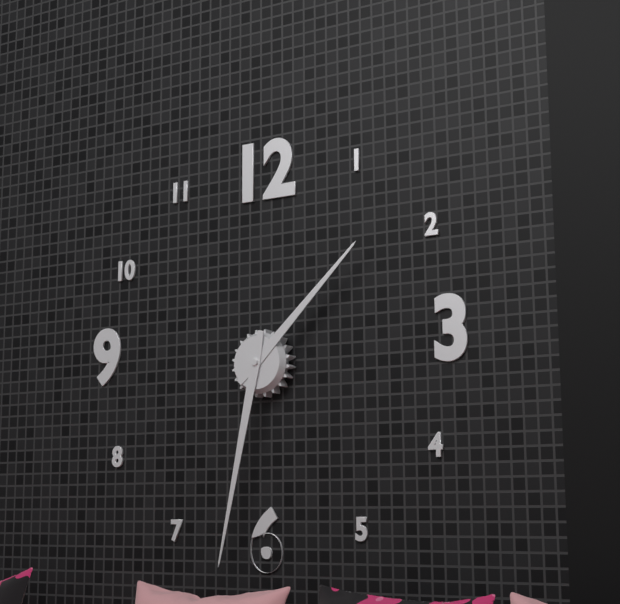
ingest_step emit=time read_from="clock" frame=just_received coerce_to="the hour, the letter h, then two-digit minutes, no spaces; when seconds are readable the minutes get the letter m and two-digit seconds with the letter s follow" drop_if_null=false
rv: 1h32
